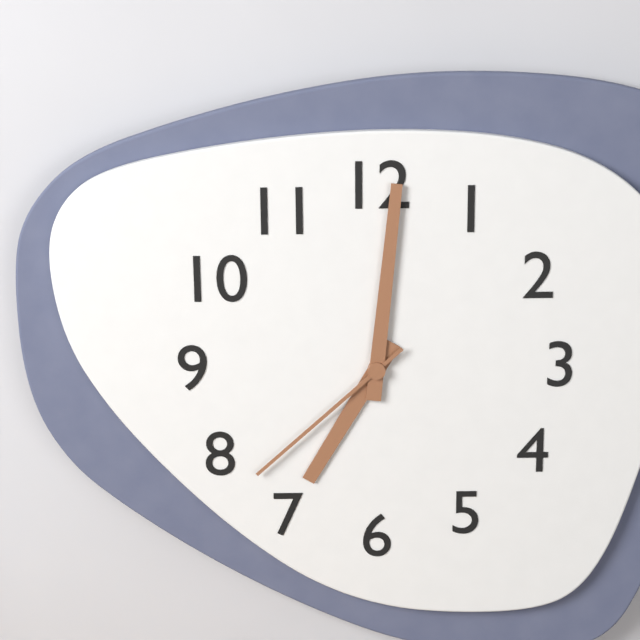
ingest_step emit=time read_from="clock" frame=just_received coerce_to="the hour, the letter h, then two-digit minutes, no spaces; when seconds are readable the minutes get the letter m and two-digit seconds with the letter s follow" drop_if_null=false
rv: 7h01m38s
